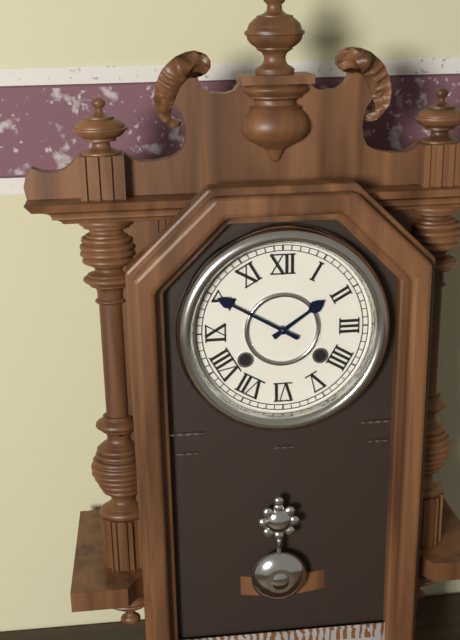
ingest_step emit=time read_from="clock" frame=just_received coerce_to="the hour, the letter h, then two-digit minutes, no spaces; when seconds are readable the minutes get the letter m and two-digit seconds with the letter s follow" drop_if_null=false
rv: 1h50
